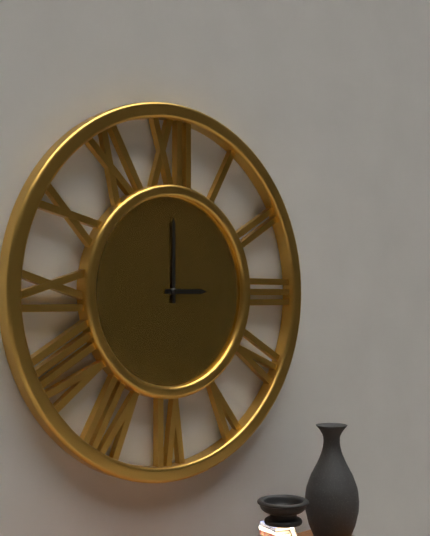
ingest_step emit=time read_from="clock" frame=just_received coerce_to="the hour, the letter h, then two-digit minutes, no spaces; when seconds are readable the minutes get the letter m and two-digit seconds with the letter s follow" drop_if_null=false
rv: 3h00
